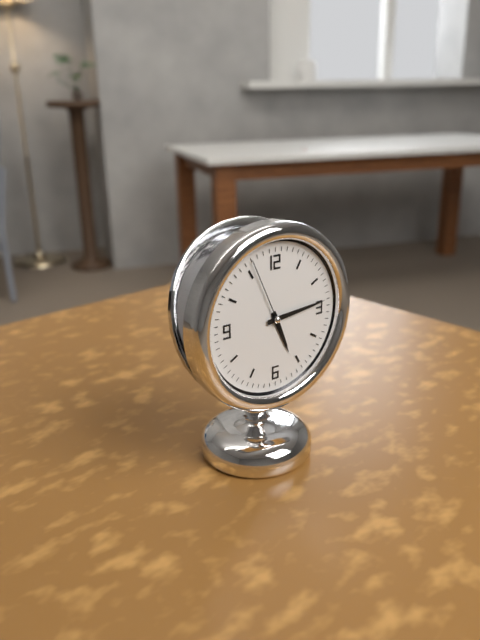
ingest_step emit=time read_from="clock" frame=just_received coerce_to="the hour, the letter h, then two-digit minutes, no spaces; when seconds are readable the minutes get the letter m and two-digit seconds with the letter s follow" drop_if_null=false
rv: 5h14m56s
